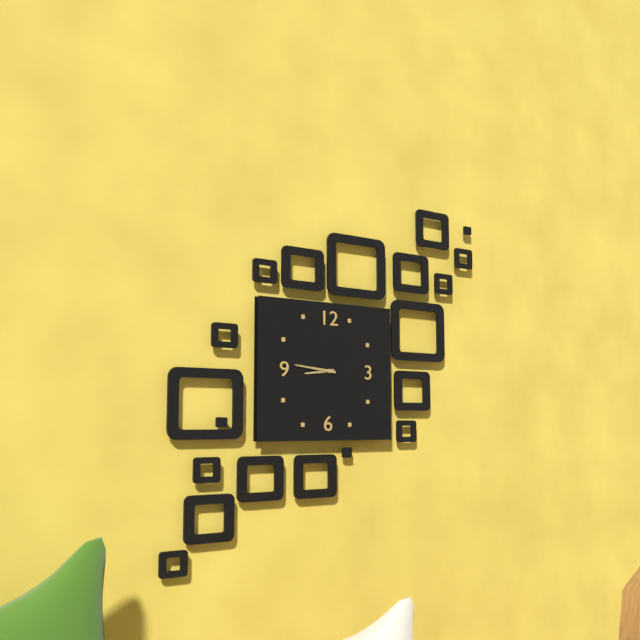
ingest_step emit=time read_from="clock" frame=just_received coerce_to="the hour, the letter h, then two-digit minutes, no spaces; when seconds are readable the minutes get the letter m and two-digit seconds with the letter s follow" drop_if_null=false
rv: 8h46
